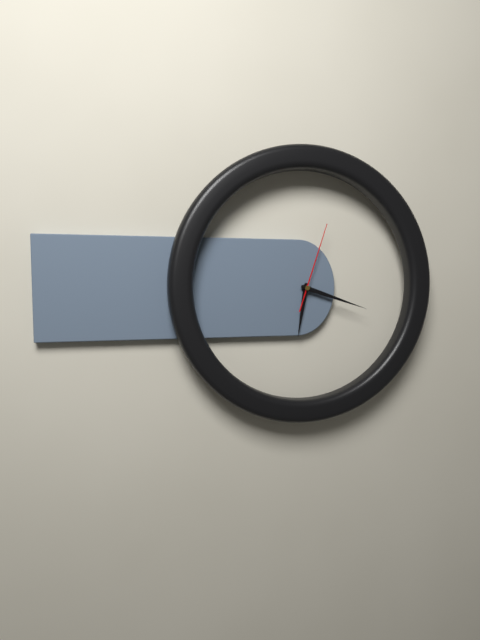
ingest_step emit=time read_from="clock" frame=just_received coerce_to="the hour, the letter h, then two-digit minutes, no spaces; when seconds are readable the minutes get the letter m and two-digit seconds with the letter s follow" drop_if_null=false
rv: 6h18m03s
